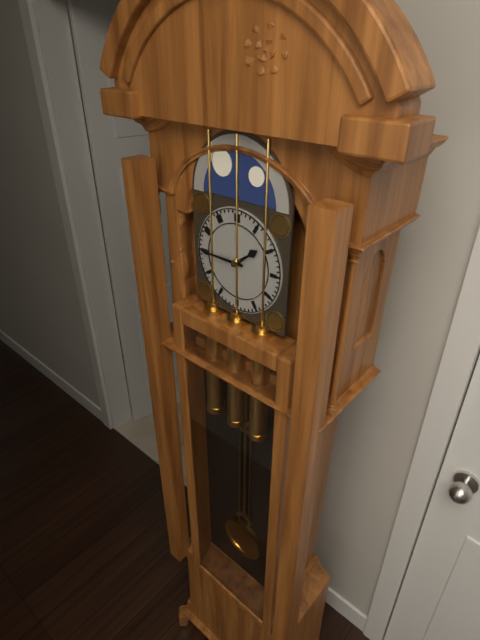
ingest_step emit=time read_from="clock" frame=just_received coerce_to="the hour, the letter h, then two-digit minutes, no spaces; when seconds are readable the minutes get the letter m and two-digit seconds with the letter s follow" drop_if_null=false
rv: 1h45
